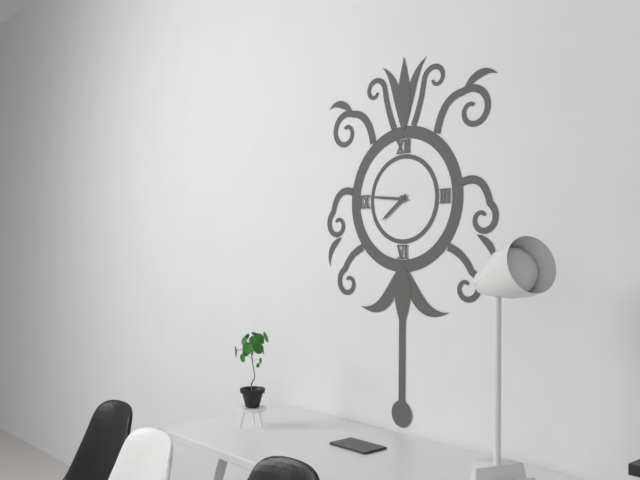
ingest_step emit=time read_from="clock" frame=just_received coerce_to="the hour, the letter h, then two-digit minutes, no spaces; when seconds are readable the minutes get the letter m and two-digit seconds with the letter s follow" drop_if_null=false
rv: 7h46
